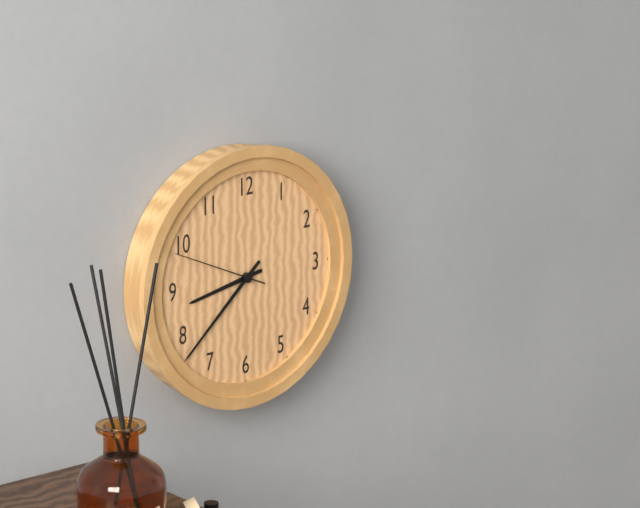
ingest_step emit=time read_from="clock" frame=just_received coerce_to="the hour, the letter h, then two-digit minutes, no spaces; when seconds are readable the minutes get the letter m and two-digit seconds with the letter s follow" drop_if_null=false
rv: 8h38m49s
